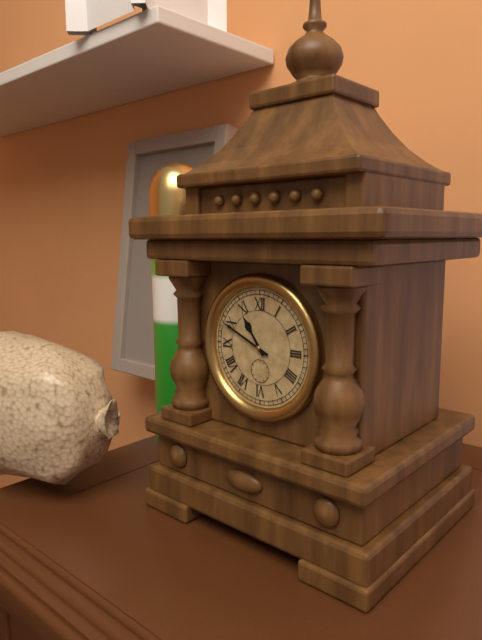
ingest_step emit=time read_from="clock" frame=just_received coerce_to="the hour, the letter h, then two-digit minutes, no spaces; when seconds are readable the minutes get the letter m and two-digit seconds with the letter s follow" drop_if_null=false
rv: 10h49
